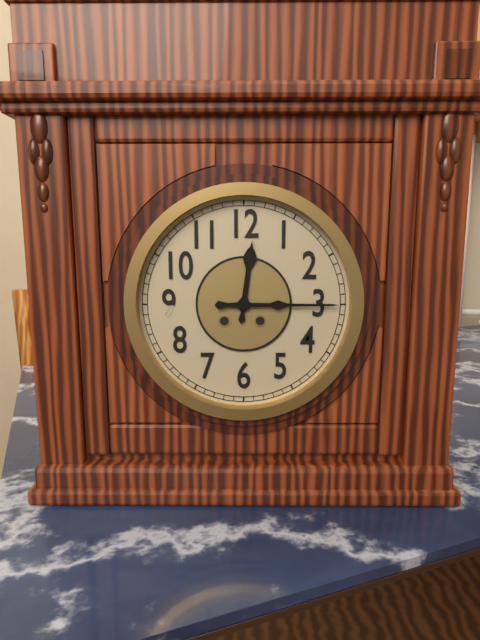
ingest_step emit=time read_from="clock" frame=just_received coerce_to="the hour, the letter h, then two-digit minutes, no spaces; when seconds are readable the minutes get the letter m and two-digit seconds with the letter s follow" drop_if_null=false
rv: 12h15
